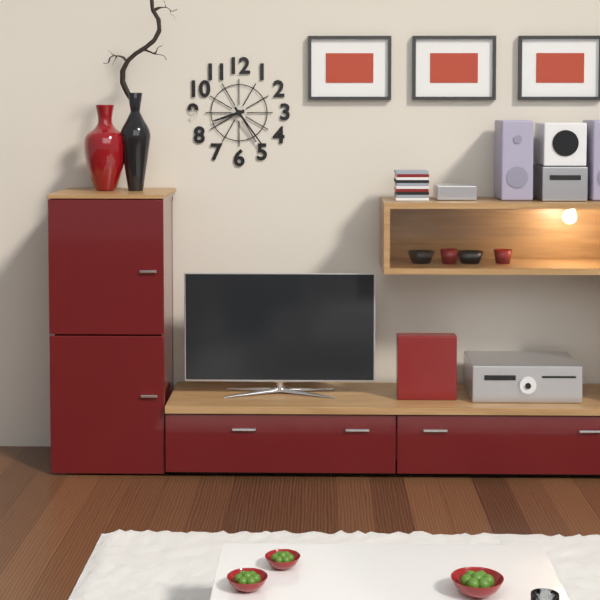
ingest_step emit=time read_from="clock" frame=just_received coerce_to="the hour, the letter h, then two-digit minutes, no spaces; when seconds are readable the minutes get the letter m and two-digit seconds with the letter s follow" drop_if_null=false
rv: 8h24
